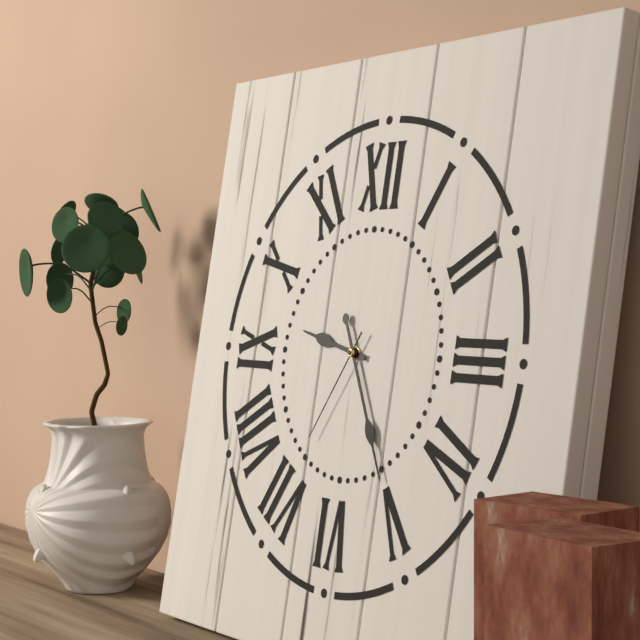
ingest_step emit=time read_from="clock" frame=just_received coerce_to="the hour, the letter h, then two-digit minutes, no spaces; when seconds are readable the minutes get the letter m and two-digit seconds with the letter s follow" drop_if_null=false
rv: 9h25m35s
